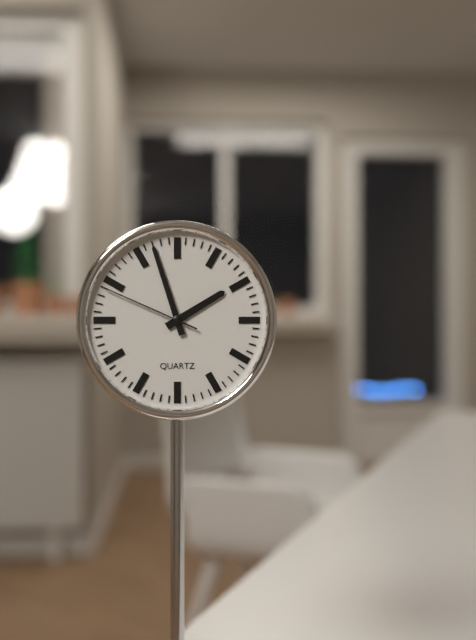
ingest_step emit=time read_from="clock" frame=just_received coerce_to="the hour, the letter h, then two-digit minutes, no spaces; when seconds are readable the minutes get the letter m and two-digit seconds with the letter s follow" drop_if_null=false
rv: 1h57m49s
